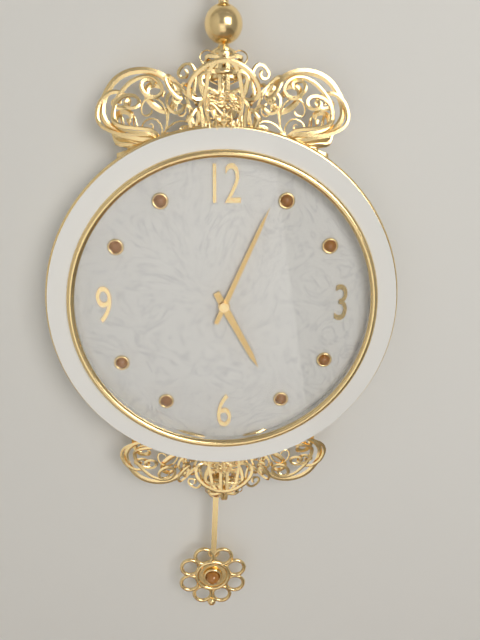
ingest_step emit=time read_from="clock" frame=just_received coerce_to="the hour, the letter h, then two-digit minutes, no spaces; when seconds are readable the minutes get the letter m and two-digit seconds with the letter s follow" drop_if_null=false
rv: 5h04
